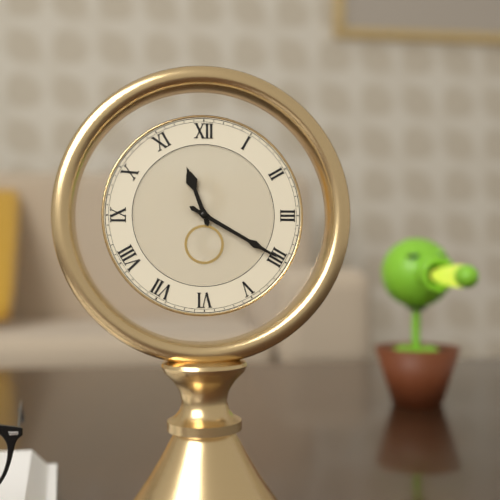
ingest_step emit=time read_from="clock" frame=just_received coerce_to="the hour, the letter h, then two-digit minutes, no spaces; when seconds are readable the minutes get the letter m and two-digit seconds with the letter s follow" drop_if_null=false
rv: 11h20
